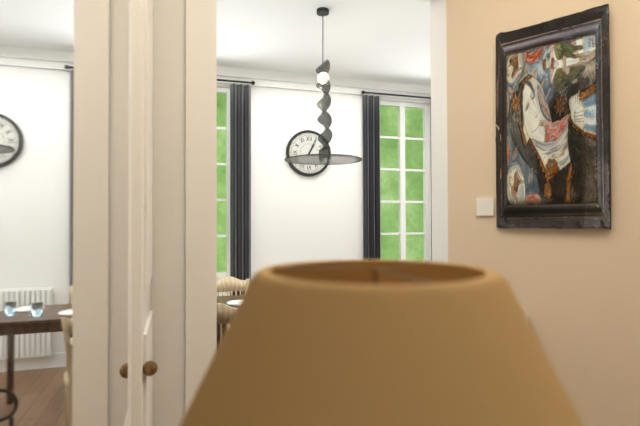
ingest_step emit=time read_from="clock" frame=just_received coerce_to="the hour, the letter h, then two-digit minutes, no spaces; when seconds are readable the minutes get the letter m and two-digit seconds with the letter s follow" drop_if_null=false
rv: 1h04
